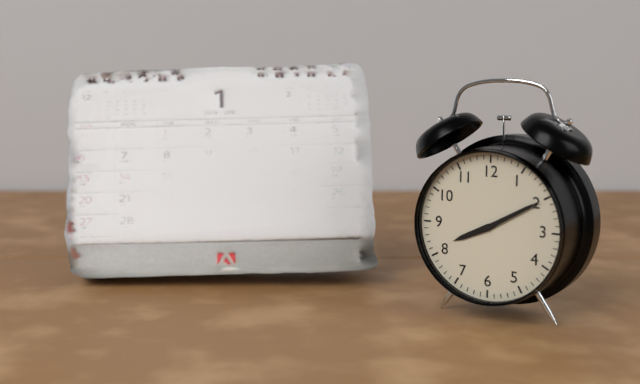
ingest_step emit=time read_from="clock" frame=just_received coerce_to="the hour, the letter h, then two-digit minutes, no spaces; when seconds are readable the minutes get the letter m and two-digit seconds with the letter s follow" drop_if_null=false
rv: 8h10
